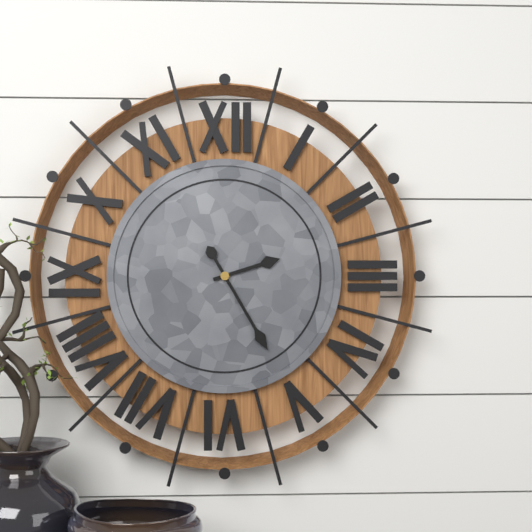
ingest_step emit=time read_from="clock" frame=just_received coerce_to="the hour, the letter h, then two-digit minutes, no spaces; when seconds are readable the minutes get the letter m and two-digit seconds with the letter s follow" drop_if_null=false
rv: 2h25
